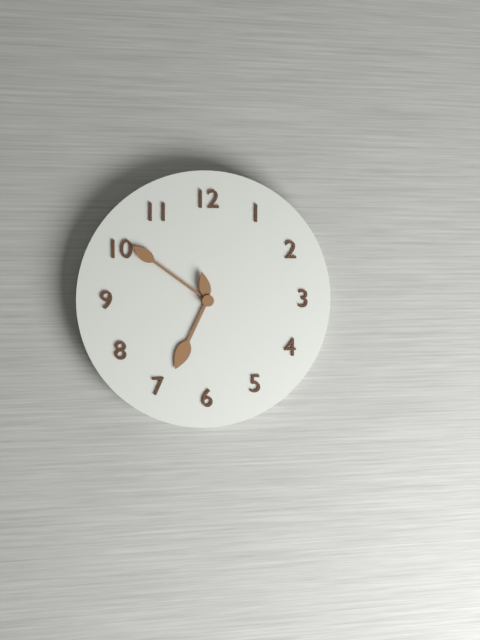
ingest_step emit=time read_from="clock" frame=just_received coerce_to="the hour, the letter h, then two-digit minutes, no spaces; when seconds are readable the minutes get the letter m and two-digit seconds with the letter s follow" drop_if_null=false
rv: 6h51
